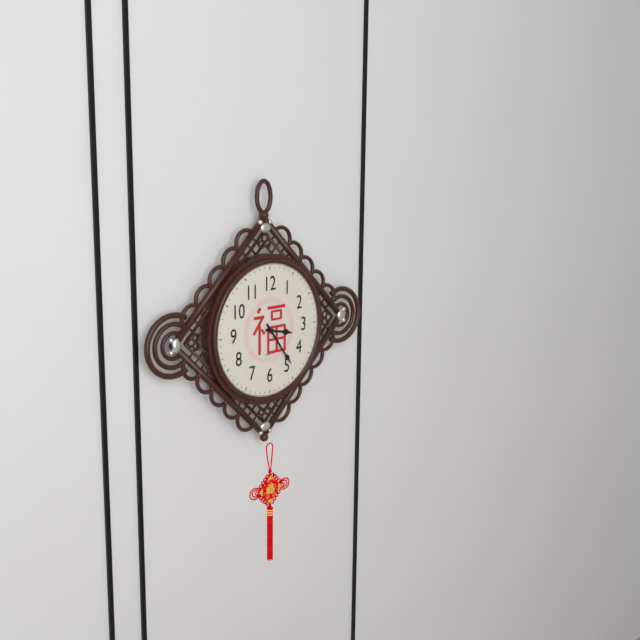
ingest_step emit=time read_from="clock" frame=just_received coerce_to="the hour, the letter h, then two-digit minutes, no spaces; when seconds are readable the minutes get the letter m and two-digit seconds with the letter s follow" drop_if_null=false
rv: 3h24
